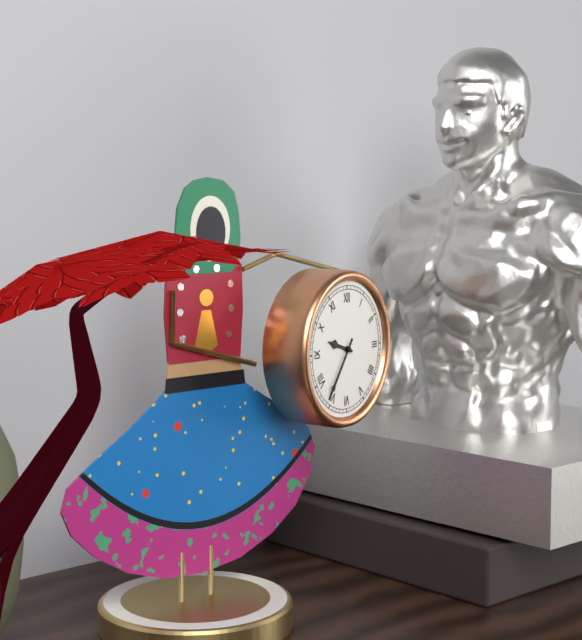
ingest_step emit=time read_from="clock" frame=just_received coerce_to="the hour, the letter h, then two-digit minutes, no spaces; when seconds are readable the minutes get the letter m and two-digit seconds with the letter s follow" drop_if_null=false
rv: 9h36
